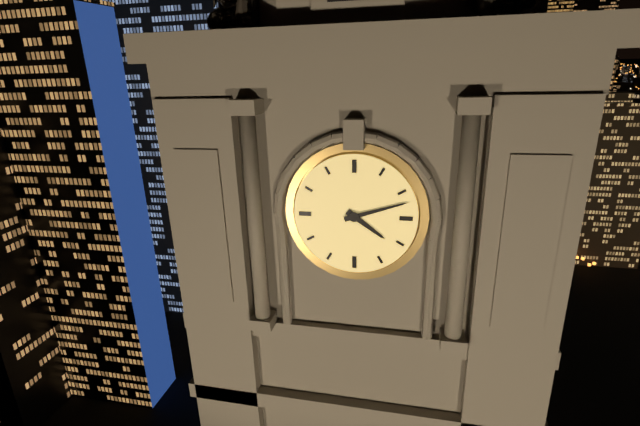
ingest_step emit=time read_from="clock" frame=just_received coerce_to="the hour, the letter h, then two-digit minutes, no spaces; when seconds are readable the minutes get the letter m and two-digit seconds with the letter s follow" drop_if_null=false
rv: 4h12
